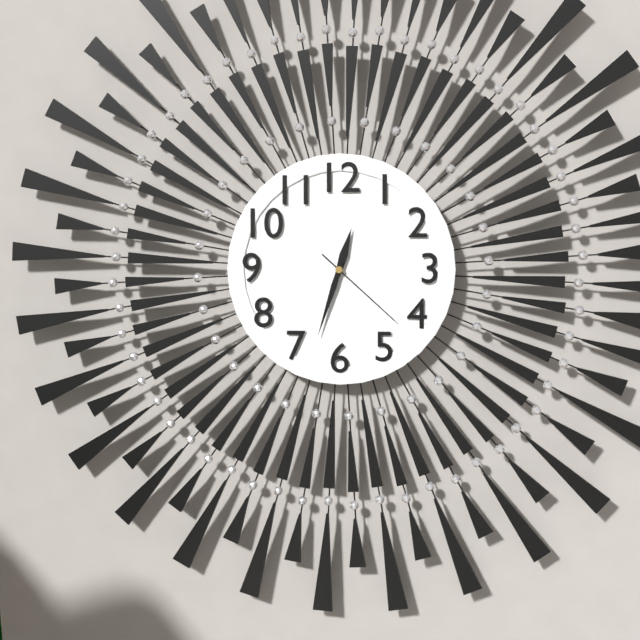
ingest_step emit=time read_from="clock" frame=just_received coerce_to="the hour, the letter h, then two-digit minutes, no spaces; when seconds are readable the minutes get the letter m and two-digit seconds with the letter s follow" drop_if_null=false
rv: 12h33m22s
